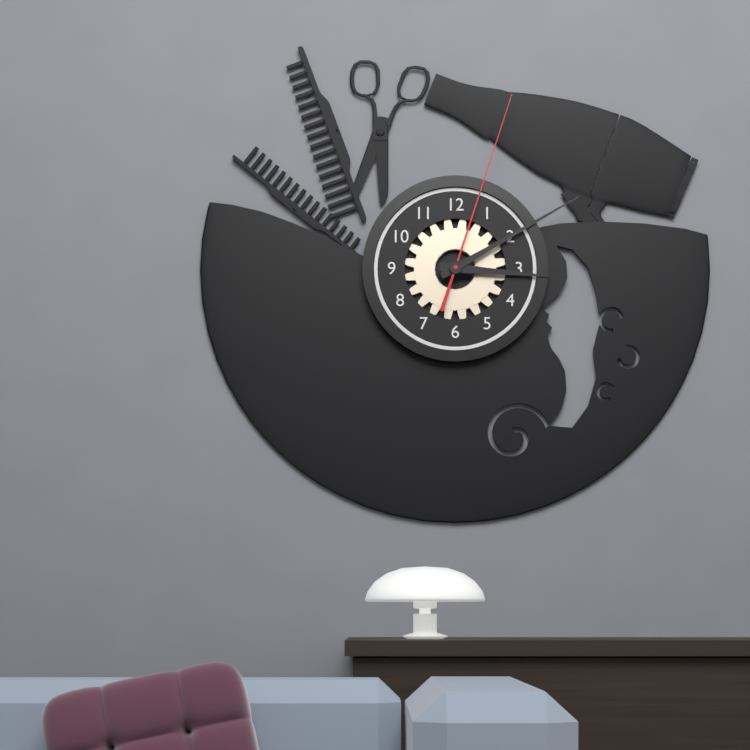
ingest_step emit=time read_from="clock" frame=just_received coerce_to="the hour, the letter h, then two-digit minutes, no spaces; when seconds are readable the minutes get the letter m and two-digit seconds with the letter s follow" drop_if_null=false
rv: 3h10m03s
